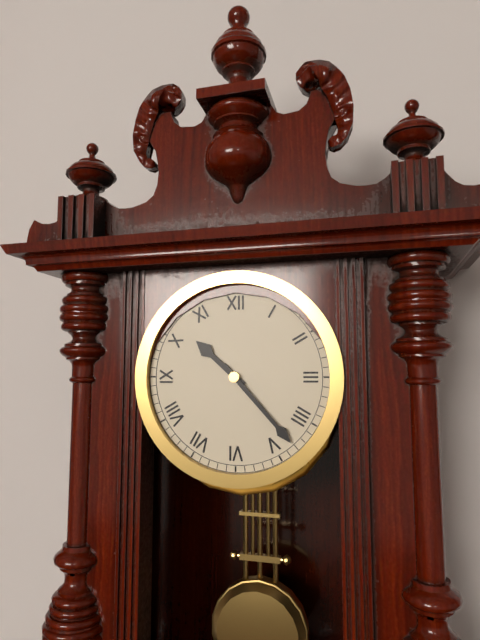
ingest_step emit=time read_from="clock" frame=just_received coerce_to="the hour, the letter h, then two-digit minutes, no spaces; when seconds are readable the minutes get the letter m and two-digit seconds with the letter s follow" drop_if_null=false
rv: 10h23
